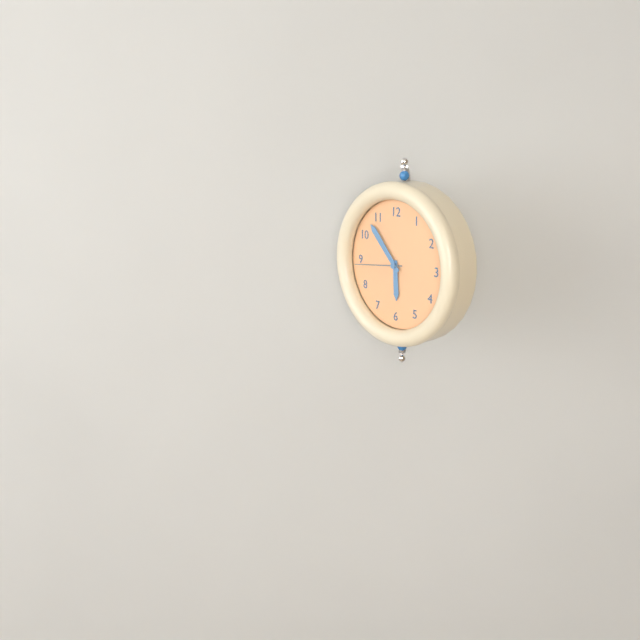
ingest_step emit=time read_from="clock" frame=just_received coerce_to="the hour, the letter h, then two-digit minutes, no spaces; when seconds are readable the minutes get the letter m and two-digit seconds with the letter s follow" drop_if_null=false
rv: 5h53
